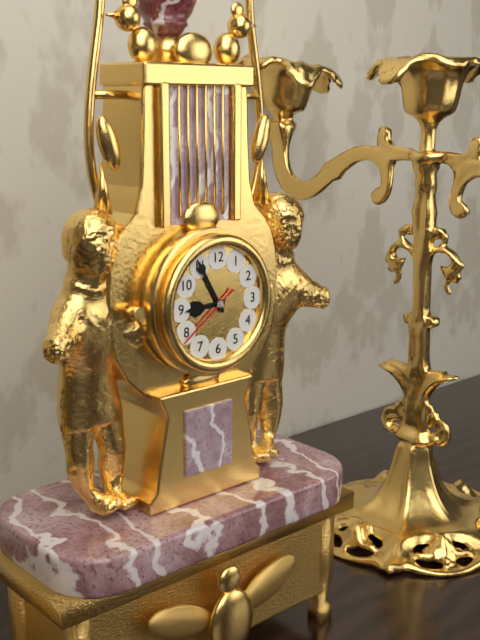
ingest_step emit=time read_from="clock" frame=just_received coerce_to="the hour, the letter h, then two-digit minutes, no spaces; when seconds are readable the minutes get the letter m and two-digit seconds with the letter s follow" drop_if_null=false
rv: 8h55m39s
